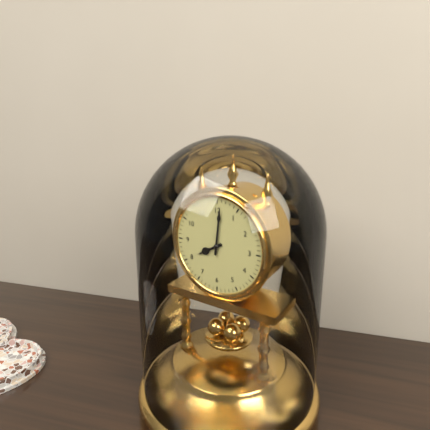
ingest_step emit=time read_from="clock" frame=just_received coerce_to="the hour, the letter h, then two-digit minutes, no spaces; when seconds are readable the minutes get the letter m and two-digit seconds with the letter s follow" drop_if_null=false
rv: 8h01
